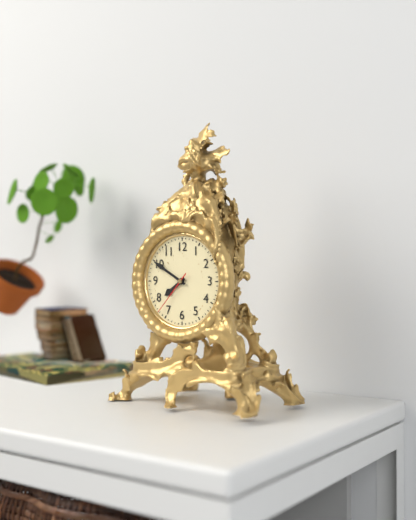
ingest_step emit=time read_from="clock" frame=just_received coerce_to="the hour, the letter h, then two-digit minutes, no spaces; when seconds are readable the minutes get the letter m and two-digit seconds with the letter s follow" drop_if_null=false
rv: 7h50
